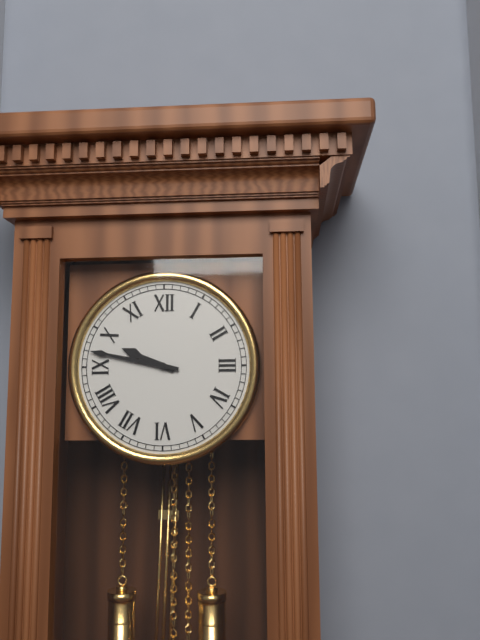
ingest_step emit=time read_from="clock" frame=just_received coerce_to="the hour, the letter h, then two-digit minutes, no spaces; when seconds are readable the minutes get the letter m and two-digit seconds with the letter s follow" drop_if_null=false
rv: 9h47
